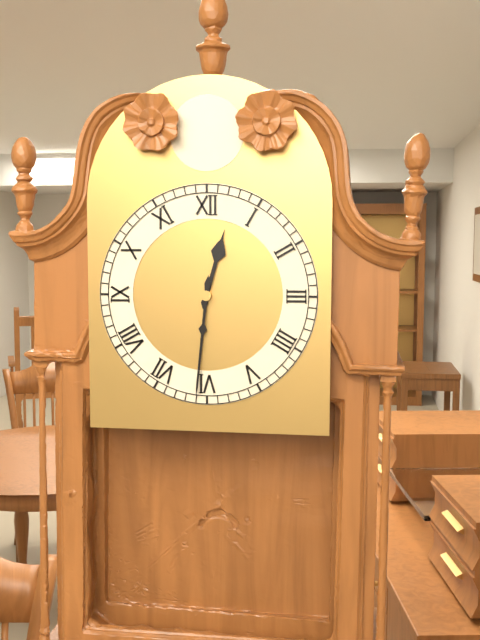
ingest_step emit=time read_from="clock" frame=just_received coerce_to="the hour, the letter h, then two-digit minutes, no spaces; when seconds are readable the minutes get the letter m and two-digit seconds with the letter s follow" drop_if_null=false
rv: 12h31
